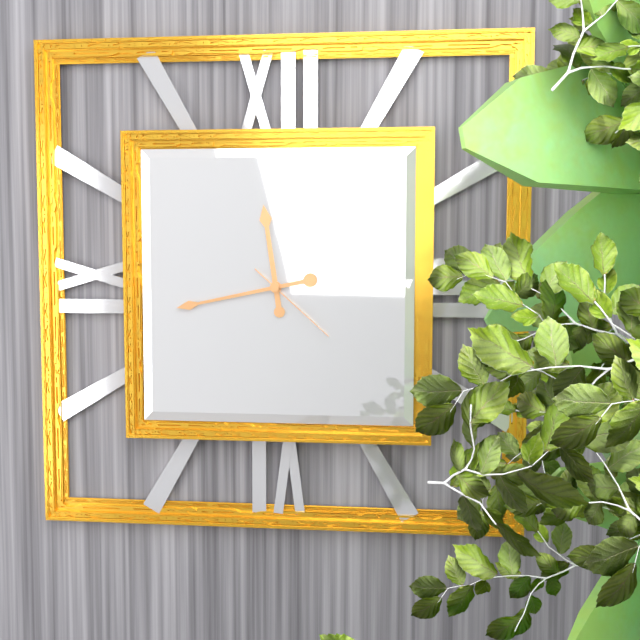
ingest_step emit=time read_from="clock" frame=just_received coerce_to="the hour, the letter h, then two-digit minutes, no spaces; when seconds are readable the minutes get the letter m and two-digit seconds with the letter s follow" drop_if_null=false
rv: 11h43m22s
